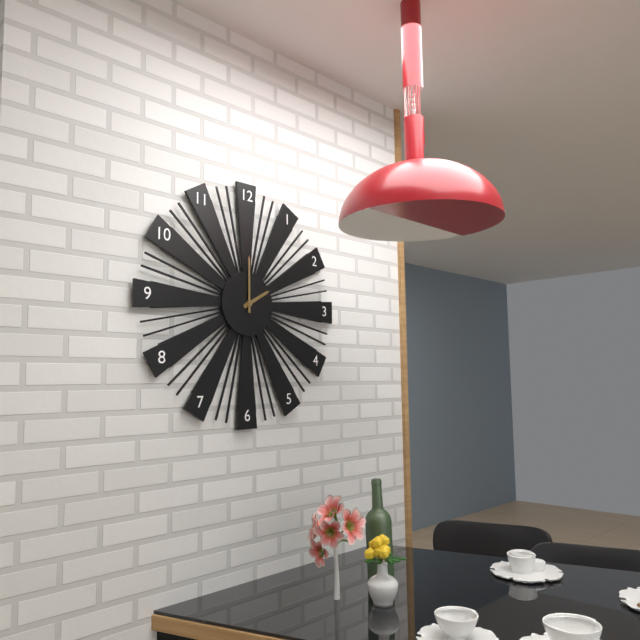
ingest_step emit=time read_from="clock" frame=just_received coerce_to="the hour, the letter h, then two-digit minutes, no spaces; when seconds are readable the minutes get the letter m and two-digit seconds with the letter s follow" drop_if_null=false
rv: 2h00
